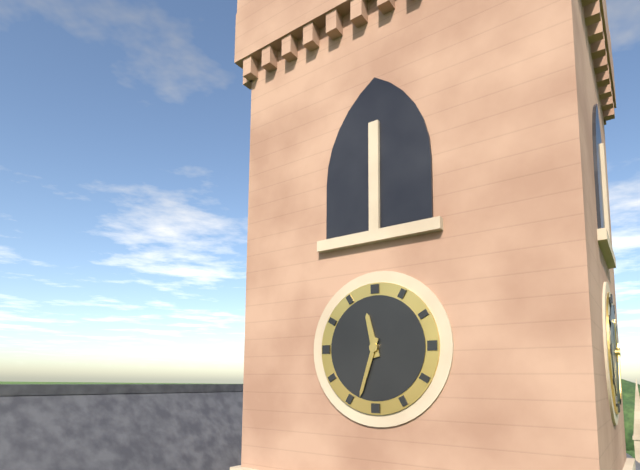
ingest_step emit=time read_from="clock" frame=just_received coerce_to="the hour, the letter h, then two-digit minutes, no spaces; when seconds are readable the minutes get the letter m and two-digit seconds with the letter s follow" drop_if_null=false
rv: 11h33
